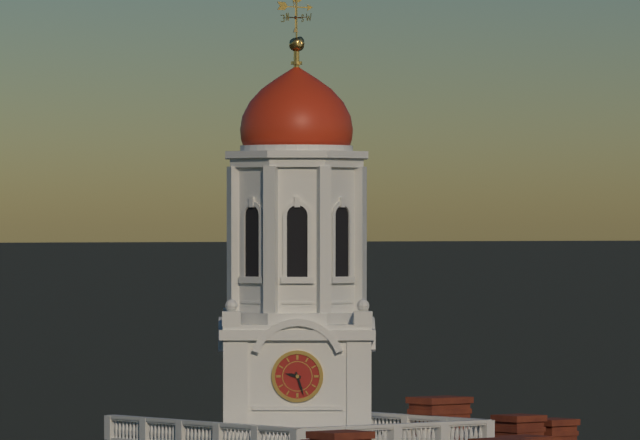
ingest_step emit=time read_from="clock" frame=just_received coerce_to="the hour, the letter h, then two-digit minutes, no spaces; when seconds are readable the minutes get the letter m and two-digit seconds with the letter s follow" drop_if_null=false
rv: 9h27
